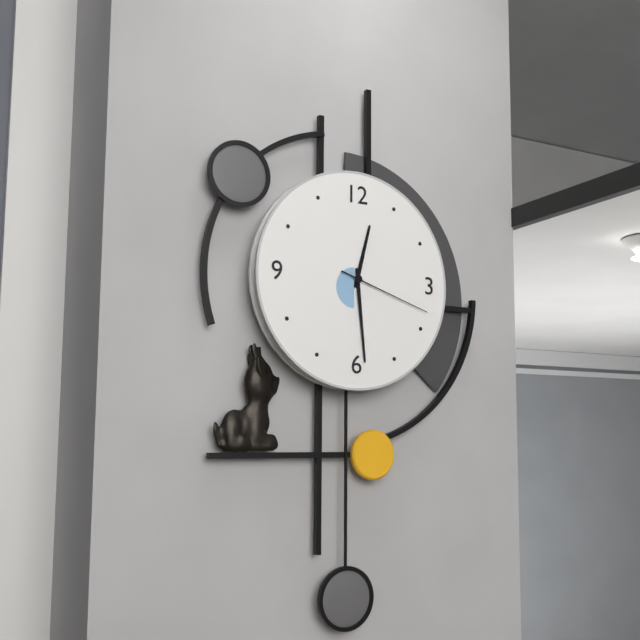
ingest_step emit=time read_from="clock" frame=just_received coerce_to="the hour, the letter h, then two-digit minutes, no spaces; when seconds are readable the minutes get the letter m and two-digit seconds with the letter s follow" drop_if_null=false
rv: 12h29m18s
